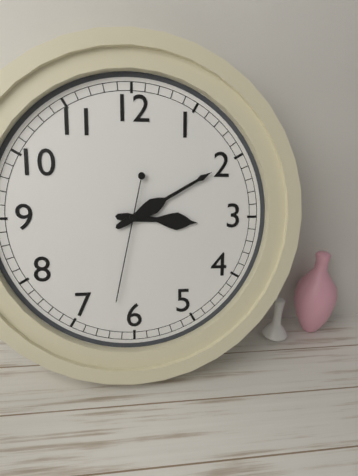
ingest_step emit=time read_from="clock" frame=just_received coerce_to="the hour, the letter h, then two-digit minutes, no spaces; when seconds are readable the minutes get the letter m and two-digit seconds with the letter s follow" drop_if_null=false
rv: 3h10m32s
